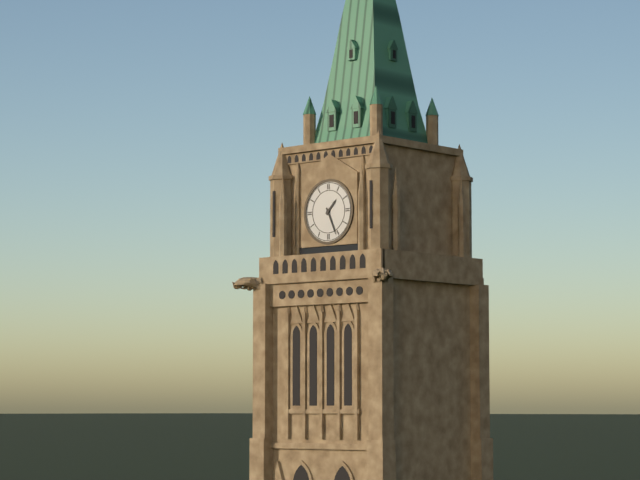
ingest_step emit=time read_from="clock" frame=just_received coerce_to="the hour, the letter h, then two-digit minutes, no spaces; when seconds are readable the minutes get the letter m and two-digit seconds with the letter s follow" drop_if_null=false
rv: 1h26
